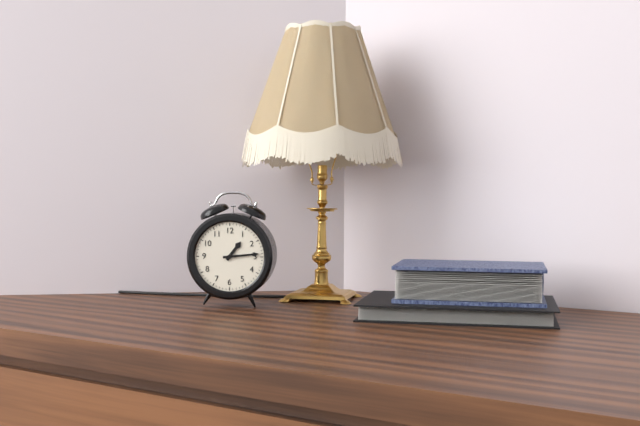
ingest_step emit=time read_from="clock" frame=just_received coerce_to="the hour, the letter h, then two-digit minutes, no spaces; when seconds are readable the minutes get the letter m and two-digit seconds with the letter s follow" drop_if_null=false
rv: 1h14
